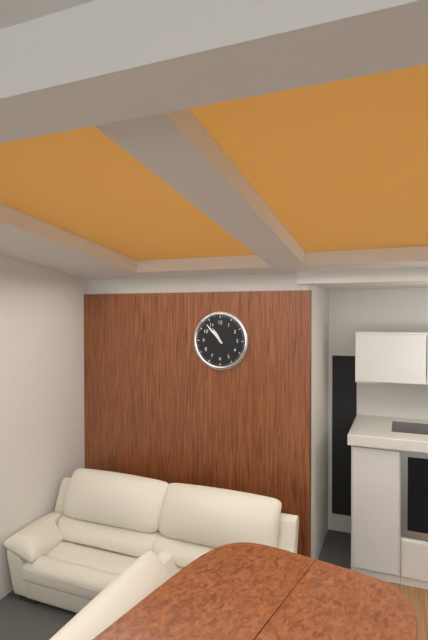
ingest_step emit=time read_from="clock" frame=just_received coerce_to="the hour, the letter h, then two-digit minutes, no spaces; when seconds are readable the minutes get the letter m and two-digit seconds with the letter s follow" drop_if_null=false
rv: 10h53
